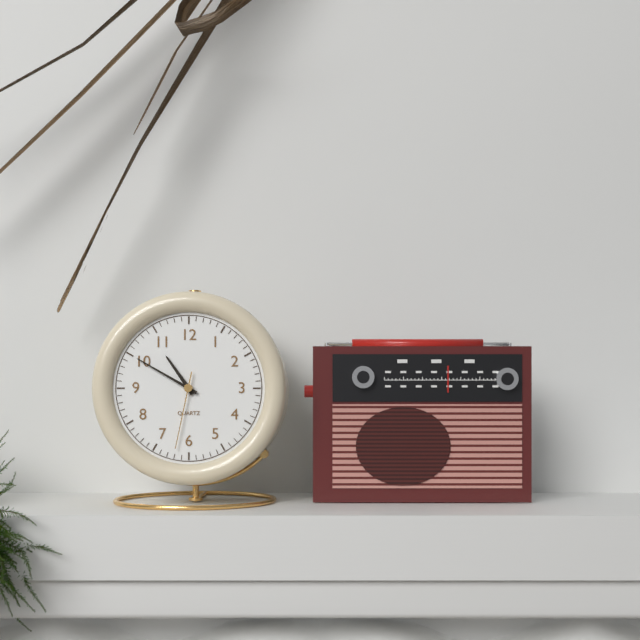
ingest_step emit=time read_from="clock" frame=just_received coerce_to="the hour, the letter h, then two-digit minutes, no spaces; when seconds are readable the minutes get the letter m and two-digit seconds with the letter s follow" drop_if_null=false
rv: 10h50m32s
